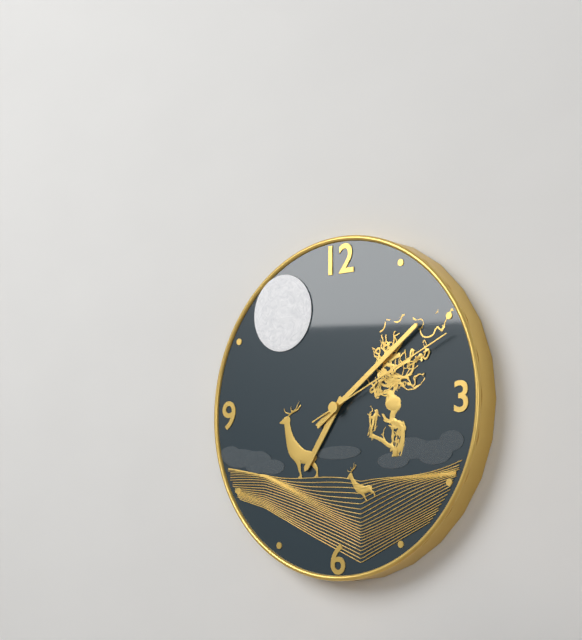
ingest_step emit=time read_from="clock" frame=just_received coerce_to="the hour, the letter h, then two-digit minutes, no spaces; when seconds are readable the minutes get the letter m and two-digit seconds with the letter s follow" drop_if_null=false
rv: 7h09m11s
